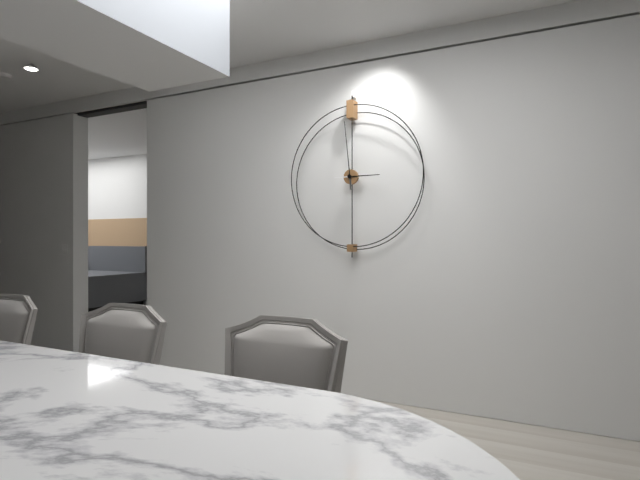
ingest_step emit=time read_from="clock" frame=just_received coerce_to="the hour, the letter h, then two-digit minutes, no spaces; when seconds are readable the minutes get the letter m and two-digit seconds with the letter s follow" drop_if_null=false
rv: 2h59
